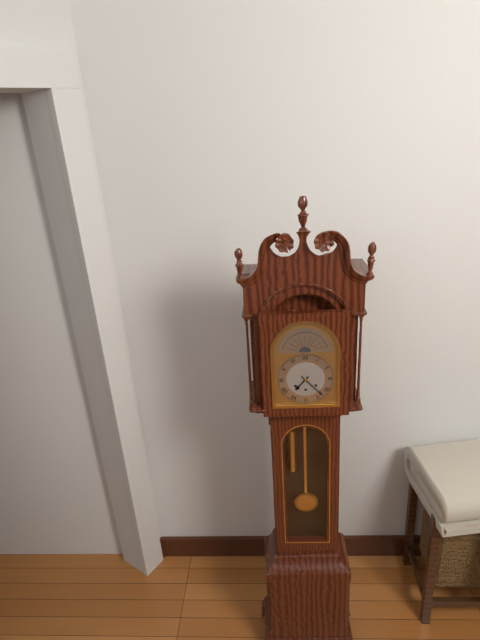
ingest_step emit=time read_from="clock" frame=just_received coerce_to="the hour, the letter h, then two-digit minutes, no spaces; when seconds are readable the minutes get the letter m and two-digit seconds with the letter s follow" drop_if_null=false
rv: 7h23
